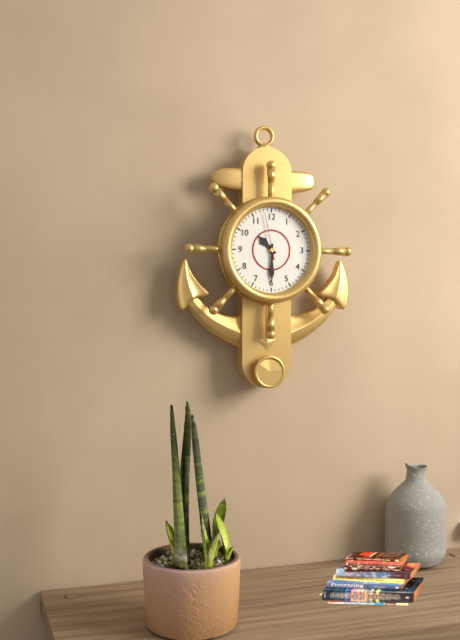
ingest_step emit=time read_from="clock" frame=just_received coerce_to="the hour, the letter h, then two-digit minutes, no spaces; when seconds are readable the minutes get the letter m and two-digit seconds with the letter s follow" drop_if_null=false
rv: 10h30
